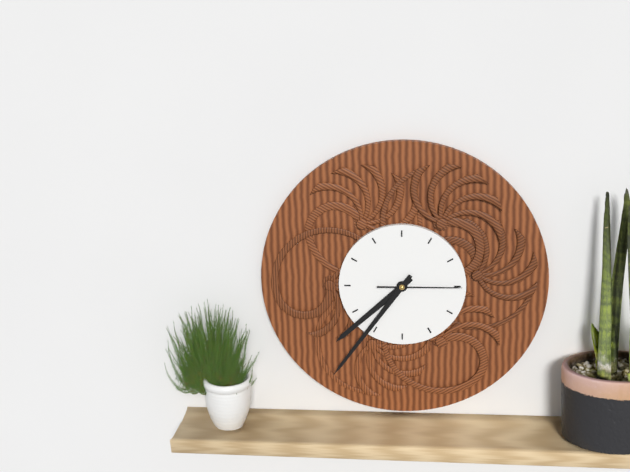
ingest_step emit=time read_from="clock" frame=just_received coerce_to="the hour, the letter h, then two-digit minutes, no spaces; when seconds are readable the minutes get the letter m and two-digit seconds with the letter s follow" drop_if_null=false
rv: 7h36m15s
